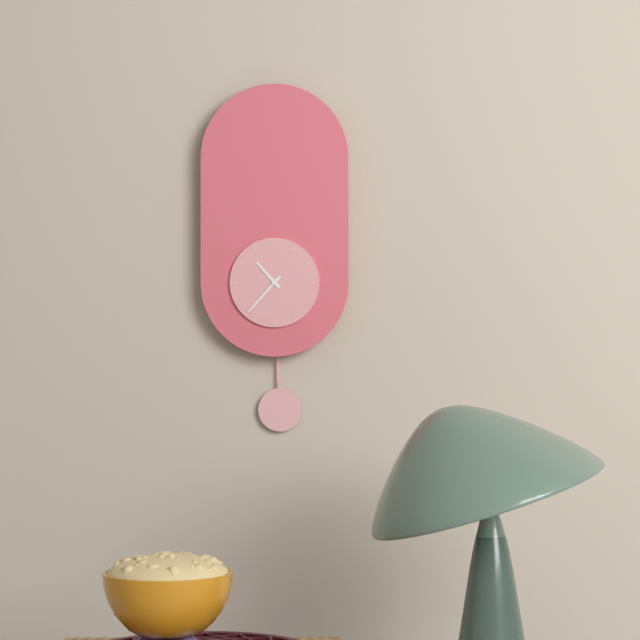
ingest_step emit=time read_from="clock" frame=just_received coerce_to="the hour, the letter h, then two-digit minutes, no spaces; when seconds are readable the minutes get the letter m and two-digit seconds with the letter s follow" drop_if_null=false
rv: 10h37
